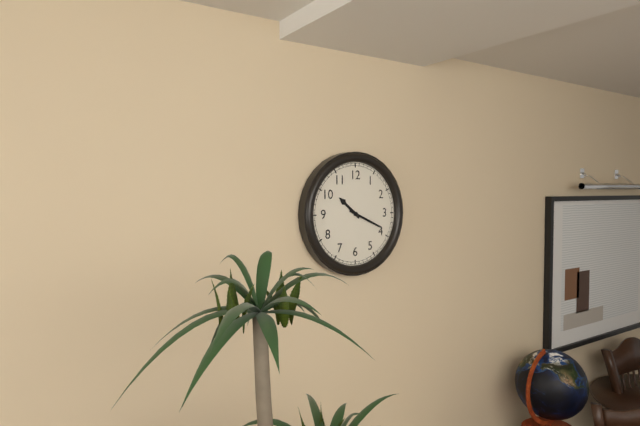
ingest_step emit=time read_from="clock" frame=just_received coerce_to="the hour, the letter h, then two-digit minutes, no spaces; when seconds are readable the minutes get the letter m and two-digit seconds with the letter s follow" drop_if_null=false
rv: 10h19
